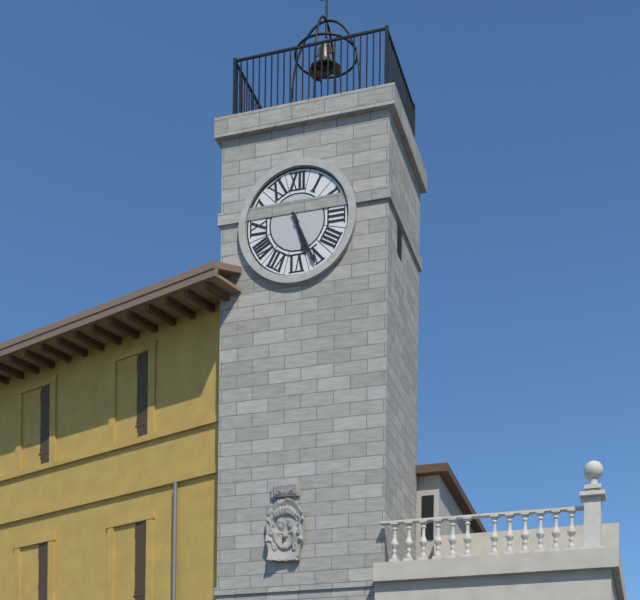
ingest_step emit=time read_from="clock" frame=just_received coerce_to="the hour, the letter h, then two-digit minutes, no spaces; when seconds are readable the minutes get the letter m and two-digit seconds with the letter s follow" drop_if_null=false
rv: 5h26
